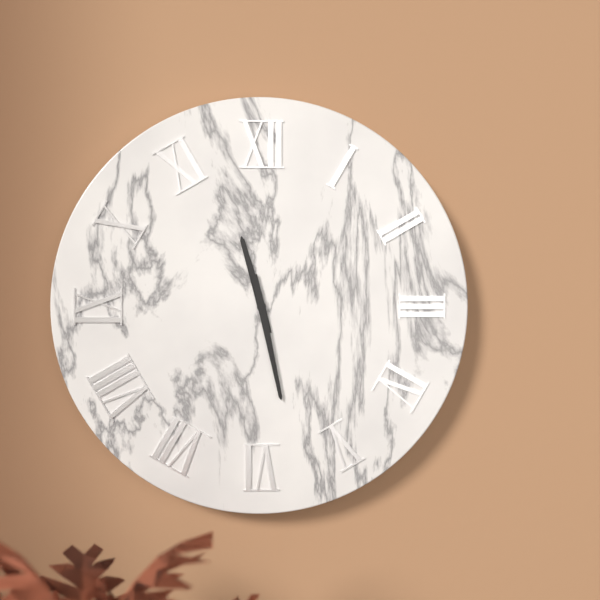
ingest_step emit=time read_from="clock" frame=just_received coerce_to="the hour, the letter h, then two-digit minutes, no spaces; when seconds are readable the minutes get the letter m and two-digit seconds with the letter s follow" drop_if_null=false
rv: 11h28
